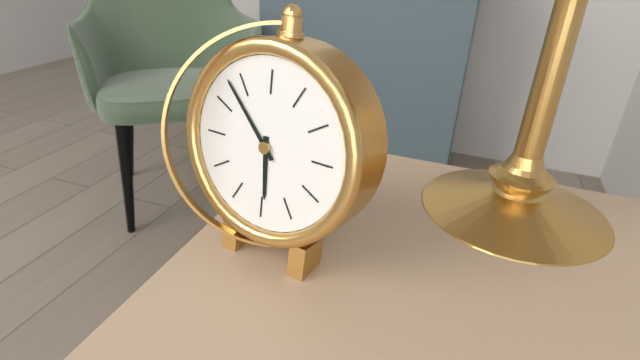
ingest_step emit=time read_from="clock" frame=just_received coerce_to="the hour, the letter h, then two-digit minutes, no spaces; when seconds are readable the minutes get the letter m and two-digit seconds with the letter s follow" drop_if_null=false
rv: 5h53
